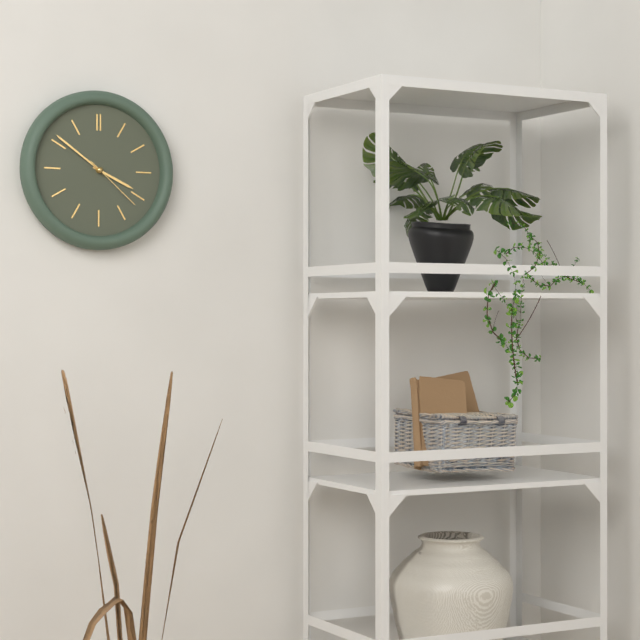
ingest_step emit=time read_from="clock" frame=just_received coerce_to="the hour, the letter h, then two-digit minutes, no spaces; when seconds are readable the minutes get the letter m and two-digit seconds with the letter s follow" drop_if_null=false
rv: 3h51m22s
